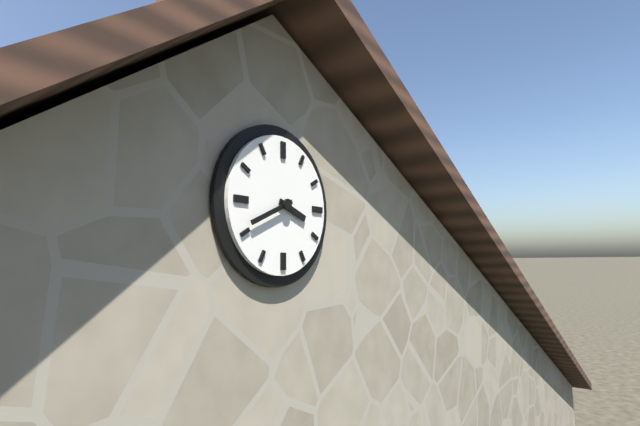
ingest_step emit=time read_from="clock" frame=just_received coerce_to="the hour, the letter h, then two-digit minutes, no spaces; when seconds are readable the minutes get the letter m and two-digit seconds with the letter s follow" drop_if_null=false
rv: 3h41
